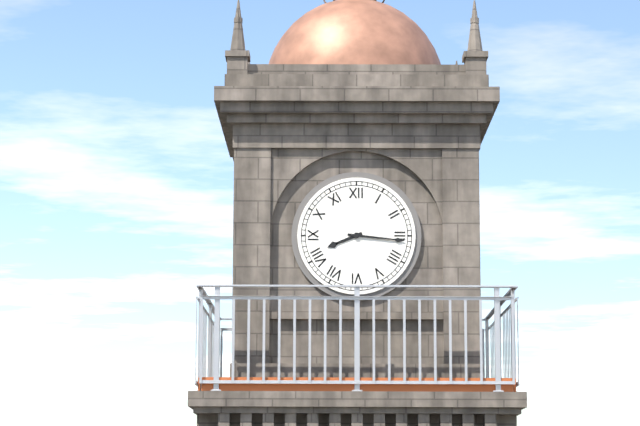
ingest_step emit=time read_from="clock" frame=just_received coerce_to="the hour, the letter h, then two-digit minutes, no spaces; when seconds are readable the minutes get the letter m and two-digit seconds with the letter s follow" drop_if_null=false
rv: 8h16
